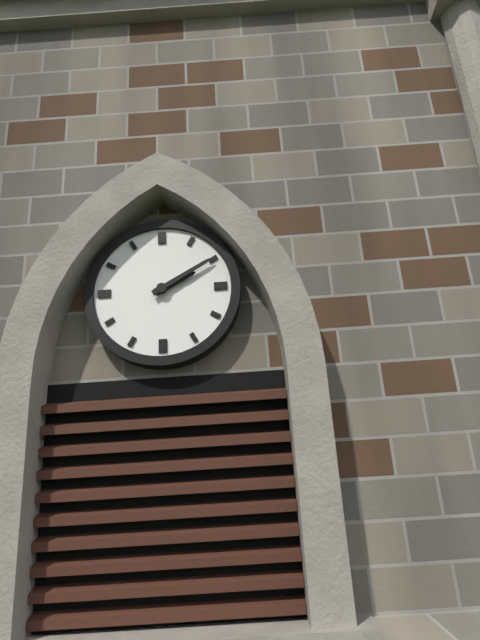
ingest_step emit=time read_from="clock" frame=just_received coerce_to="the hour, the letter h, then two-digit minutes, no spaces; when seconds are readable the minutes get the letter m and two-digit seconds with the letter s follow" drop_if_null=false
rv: 2h10
